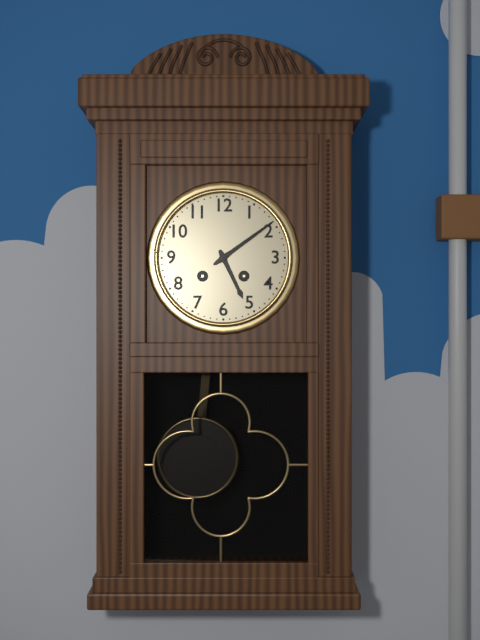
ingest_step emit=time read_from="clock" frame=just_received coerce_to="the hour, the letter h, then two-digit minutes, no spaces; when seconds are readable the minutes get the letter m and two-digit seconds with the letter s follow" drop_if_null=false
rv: 5h09
